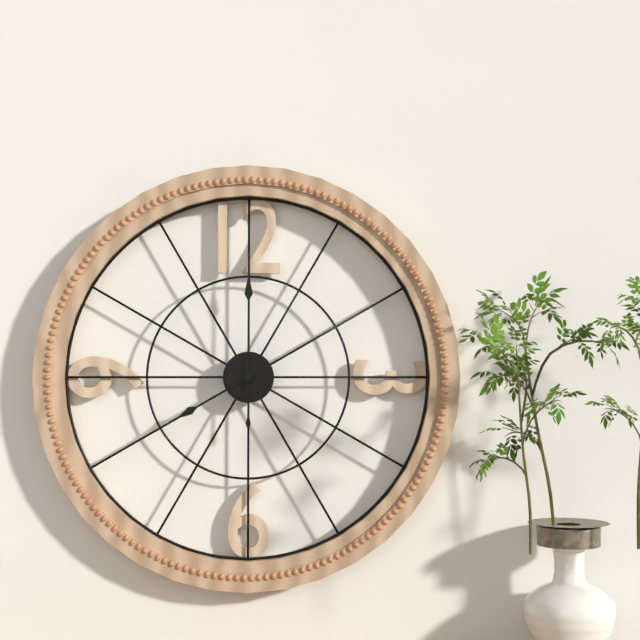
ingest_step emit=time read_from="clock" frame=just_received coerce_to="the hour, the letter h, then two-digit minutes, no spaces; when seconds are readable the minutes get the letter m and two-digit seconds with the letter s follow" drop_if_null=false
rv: 8h00
